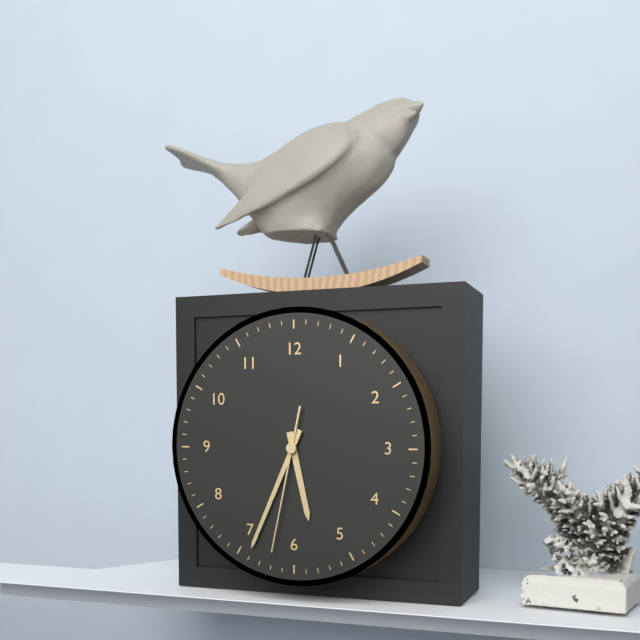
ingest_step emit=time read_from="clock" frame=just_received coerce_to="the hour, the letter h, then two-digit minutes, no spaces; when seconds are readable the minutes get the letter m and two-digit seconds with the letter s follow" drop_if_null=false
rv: 5h34m32s
